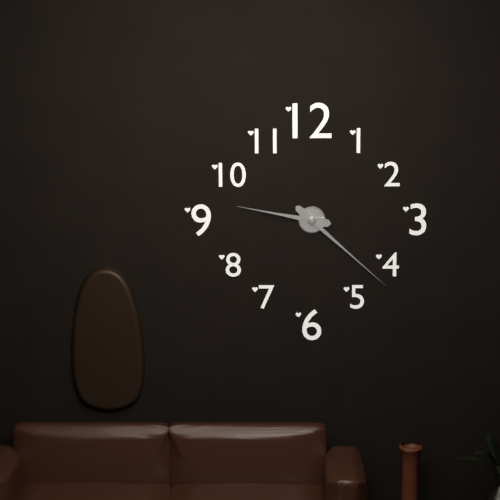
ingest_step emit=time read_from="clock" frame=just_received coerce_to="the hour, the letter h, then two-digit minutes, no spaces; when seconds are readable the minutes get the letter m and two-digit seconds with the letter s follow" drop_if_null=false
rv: 9h22
